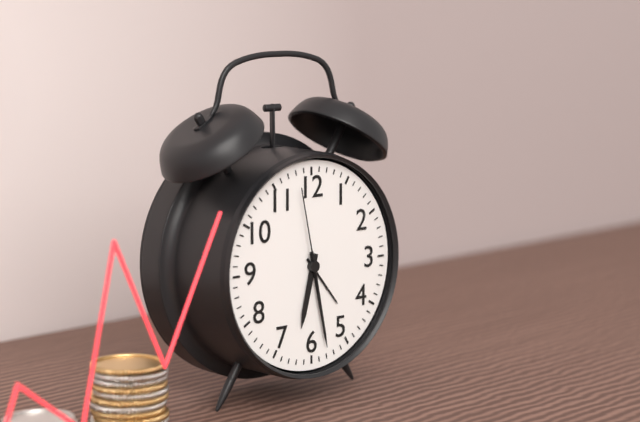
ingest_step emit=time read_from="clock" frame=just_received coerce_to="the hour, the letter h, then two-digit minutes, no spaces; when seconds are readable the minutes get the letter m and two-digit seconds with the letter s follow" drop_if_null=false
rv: 6h28m58s
